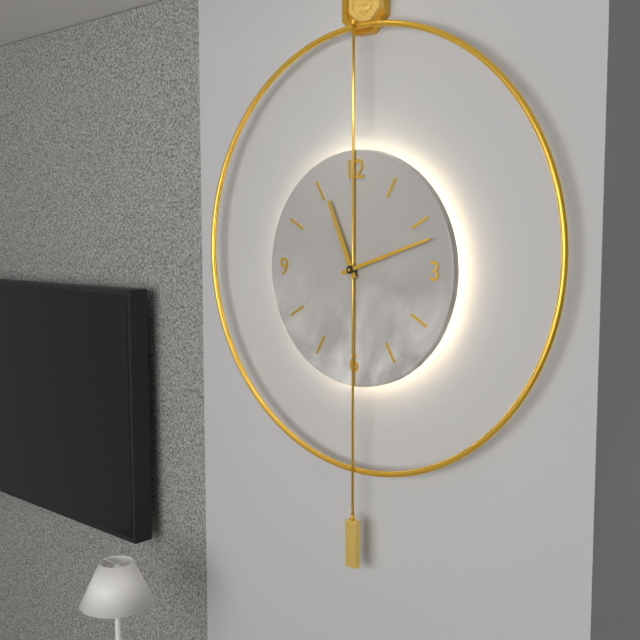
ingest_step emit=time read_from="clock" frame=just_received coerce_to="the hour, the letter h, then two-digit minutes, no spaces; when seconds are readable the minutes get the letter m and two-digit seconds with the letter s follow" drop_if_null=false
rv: 11h12
